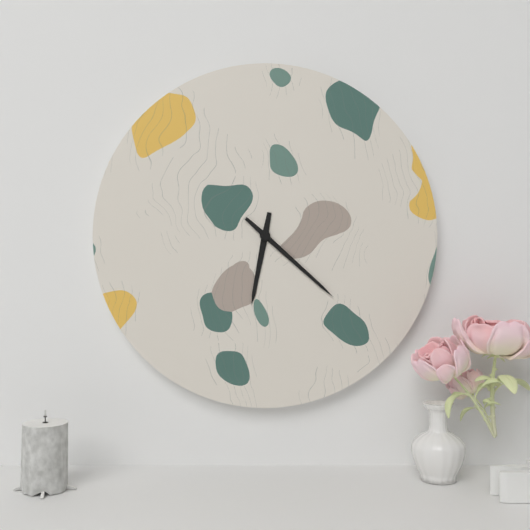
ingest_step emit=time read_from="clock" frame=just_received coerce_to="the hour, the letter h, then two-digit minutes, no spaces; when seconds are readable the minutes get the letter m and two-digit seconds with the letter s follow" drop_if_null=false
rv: 6h22
